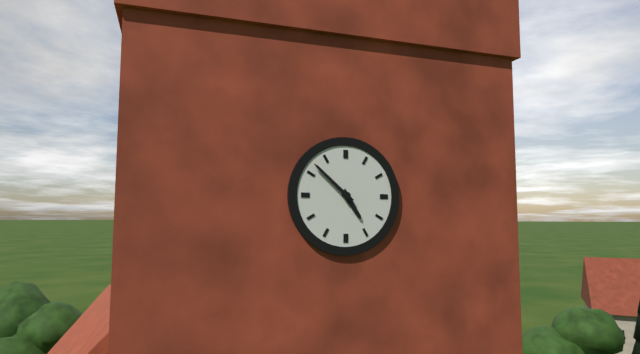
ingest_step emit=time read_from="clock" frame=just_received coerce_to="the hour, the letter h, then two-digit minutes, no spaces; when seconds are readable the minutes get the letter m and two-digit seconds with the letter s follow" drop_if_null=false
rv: 4h52
